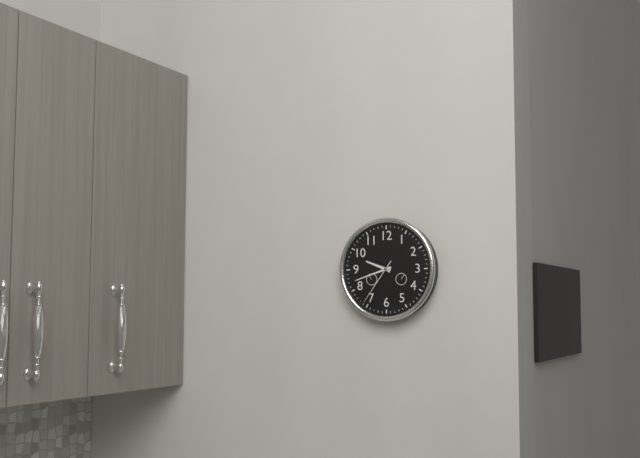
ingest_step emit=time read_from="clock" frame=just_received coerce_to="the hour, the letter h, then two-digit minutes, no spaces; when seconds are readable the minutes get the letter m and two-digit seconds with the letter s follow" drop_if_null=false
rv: 9h42
